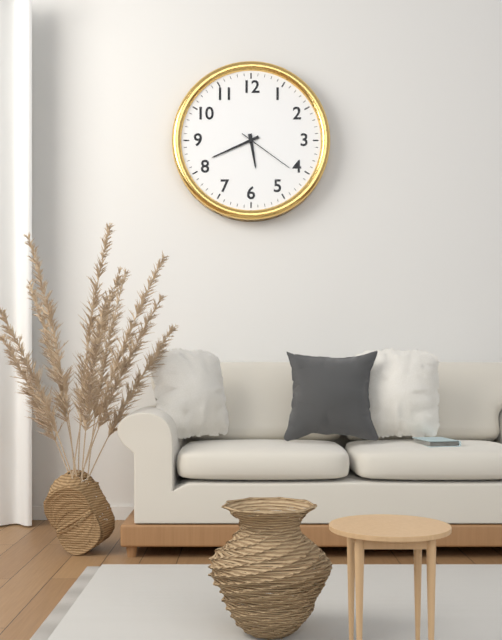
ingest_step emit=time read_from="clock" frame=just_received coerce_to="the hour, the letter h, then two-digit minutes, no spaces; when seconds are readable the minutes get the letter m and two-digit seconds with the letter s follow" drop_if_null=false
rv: 5h41m21s
